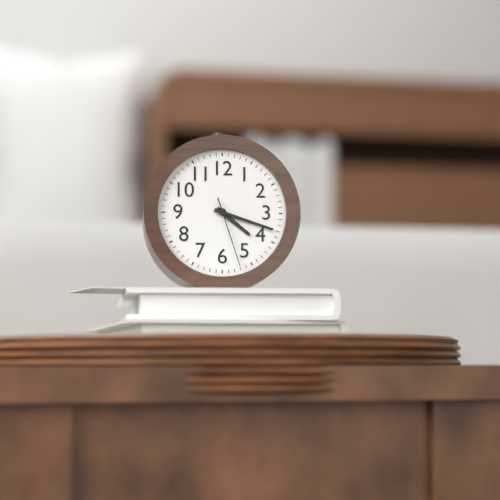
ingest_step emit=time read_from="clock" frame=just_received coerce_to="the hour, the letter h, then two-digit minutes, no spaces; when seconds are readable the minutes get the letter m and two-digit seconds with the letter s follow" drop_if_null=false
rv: 4h18m27s
